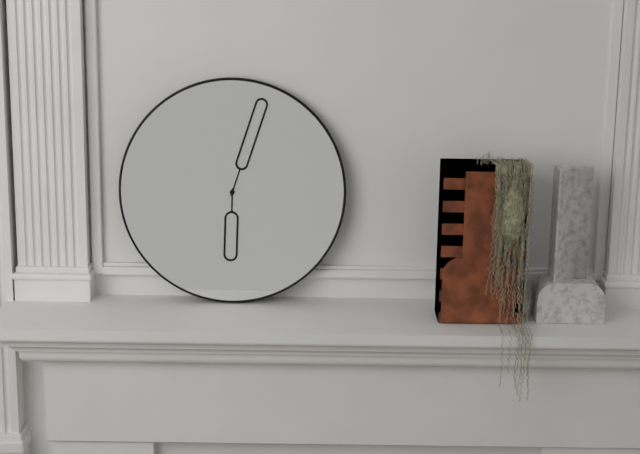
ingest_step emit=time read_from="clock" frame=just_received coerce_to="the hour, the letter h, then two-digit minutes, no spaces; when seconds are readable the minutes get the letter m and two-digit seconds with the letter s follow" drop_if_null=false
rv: 6h03
